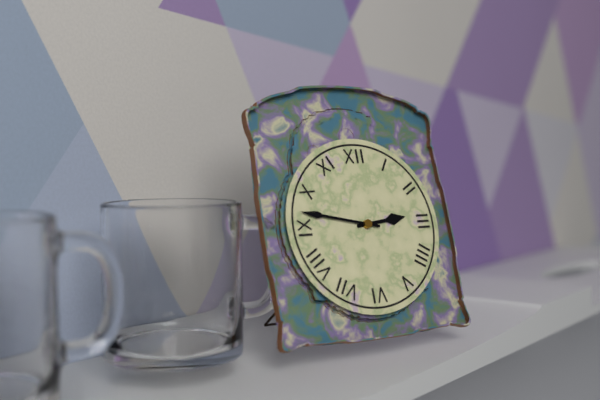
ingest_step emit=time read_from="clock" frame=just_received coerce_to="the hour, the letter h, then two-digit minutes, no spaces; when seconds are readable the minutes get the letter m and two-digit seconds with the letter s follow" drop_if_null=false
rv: 2h47
